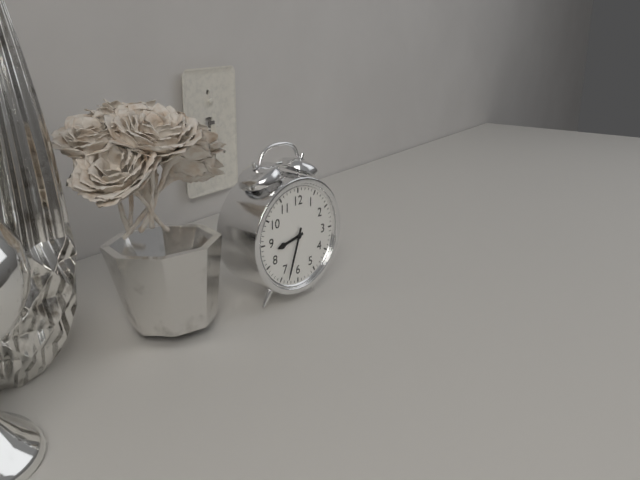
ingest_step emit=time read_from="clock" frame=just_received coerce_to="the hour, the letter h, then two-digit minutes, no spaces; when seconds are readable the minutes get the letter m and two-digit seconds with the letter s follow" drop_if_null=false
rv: 8h33
